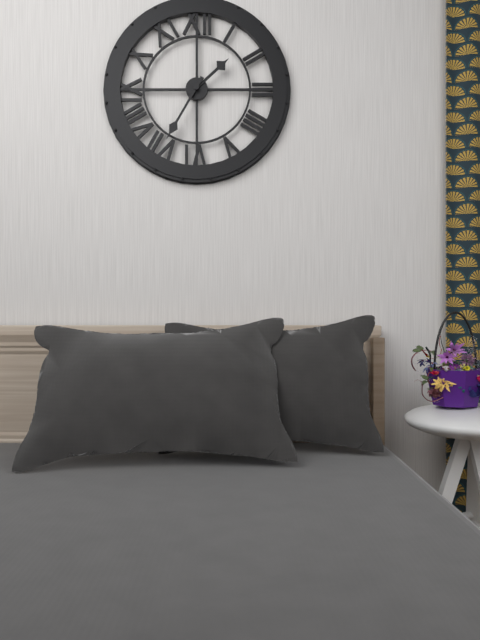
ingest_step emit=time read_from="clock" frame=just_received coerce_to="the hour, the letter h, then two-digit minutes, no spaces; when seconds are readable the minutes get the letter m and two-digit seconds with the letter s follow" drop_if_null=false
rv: 1h35
